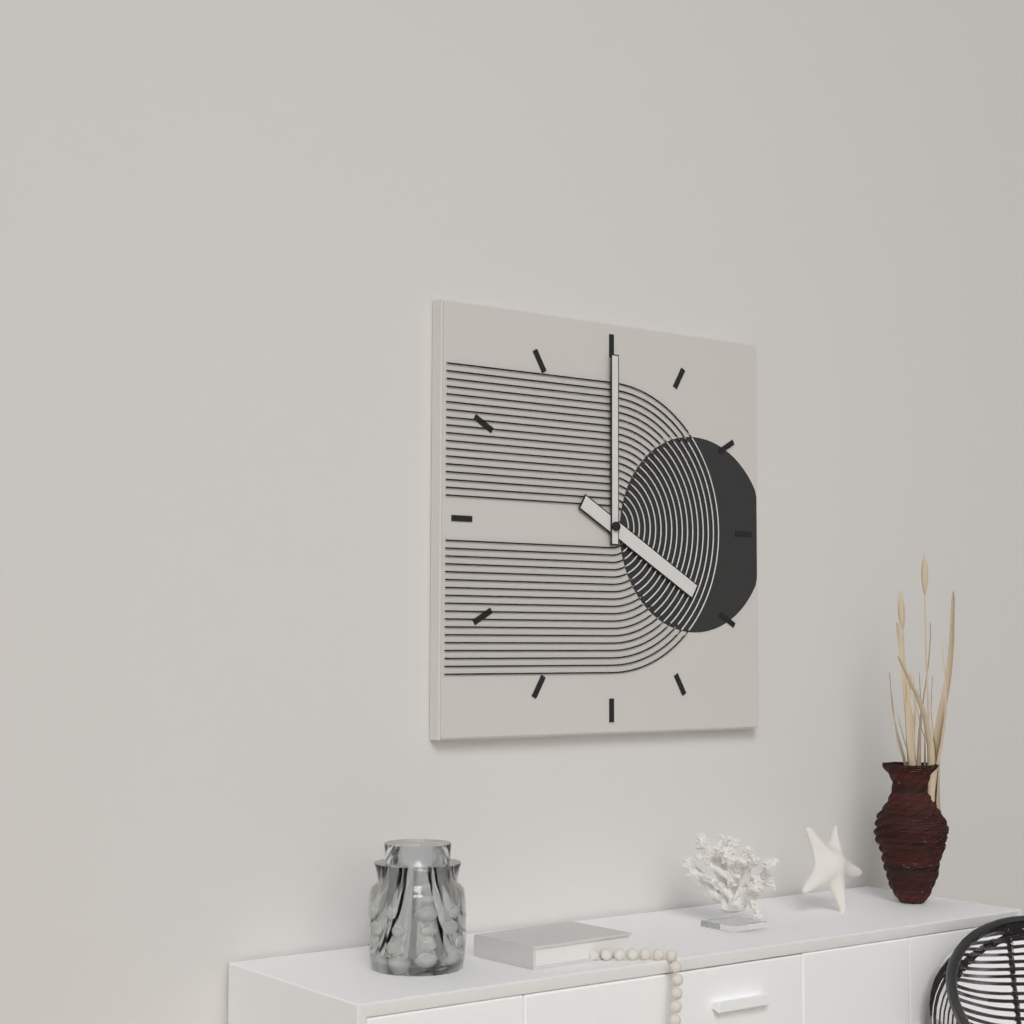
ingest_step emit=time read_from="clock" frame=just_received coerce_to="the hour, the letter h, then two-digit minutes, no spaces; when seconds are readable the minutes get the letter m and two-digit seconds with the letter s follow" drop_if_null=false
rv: 4h00
